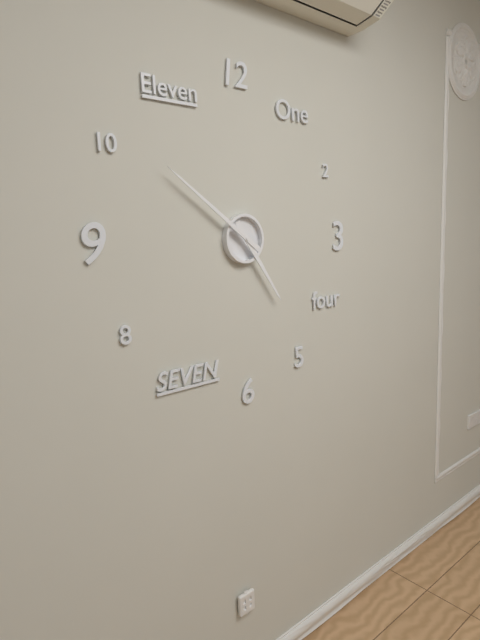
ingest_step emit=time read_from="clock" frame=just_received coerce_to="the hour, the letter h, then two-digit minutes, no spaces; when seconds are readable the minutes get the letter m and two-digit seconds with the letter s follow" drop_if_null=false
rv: 4h51
